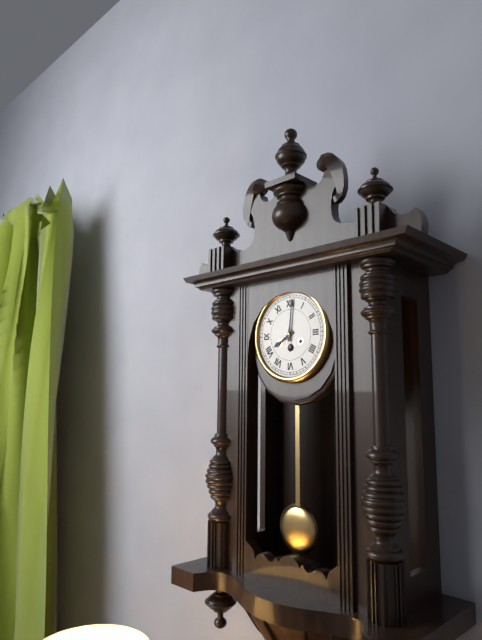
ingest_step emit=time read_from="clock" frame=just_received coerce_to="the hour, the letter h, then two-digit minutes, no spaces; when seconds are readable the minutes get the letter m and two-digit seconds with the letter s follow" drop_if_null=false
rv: 8h01
